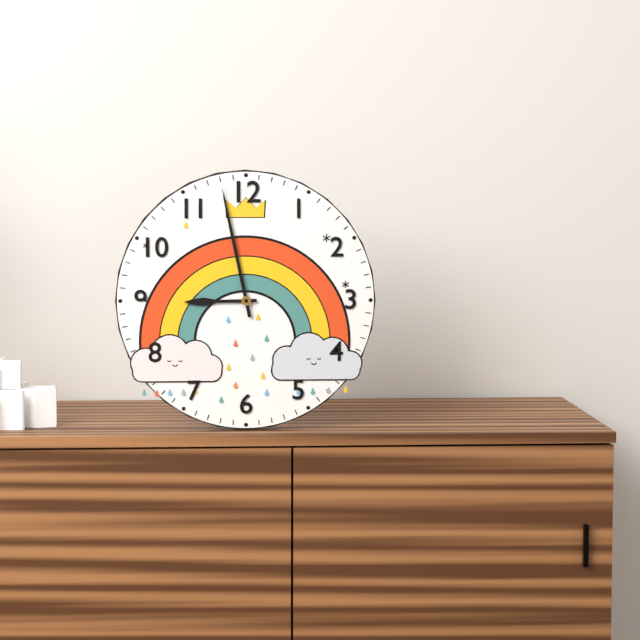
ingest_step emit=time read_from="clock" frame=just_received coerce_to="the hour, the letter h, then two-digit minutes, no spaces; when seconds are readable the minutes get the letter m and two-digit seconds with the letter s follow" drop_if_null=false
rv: 8h58
